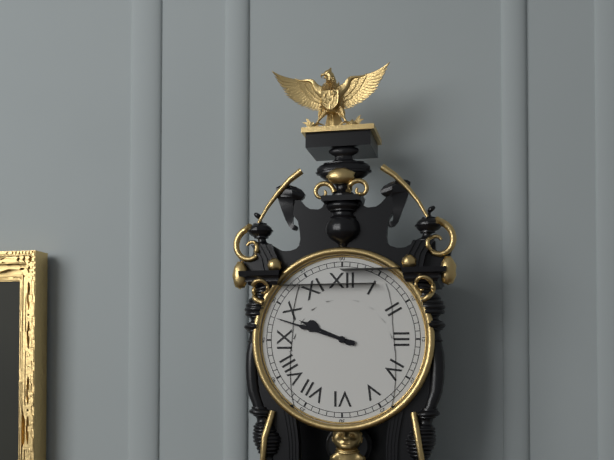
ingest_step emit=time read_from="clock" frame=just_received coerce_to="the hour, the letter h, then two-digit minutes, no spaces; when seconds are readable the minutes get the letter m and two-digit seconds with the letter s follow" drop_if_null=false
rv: 9h48
